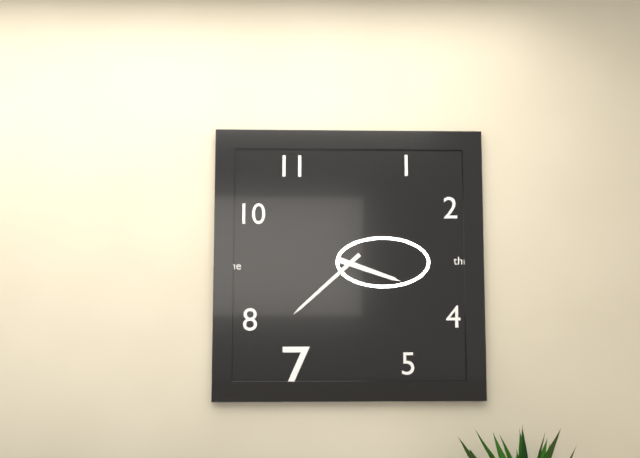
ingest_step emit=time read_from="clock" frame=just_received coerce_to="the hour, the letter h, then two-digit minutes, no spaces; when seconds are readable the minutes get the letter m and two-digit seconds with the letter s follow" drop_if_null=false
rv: 3h38
